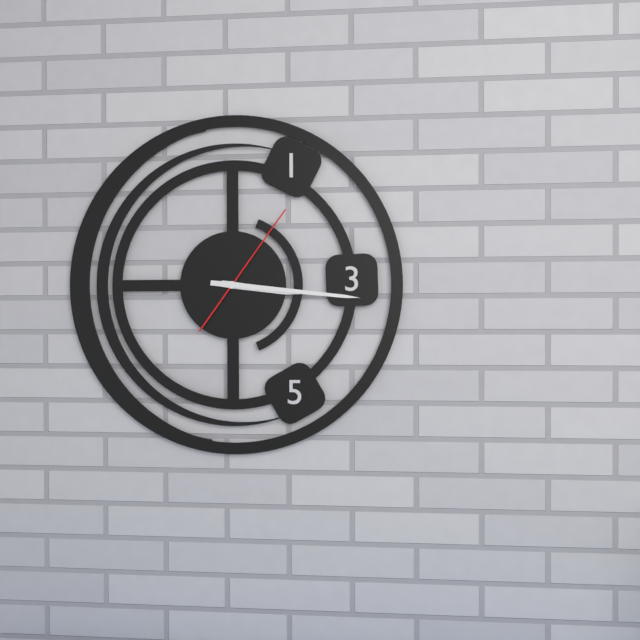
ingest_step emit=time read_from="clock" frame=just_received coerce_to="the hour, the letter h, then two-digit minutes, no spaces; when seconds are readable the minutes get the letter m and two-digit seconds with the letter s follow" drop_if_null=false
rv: 3h16m06s
